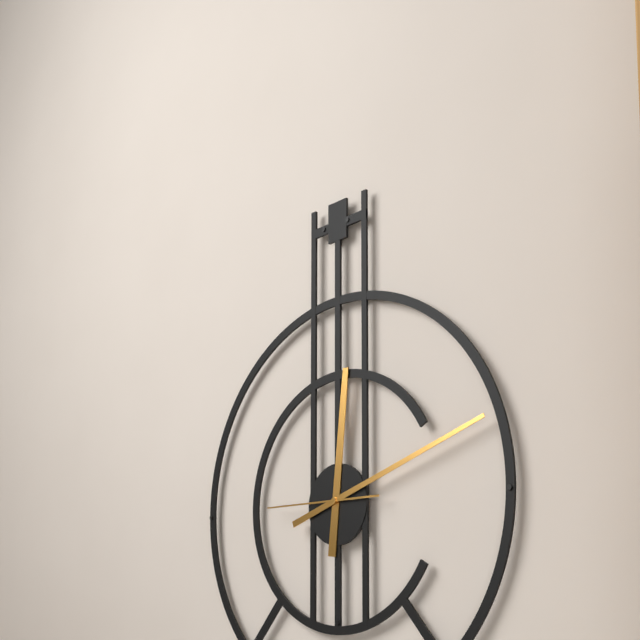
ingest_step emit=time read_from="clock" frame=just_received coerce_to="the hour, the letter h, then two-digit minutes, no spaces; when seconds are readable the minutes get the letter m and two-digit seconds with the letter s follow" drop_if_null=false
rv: 12h12m45s
